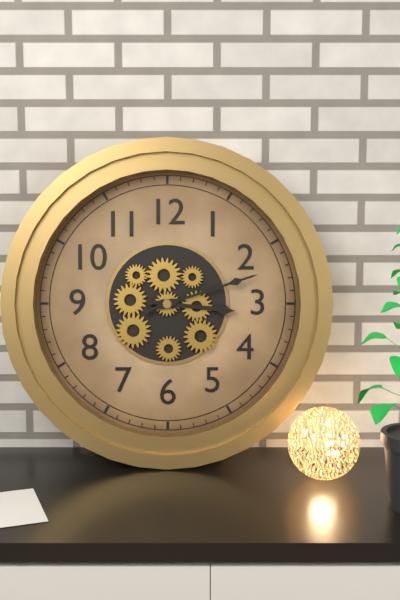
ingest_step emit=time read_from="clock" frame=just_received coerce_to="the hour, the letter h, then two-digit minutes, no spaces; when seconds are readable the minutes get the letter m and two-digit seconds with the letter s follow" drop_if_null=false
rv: 3h12
